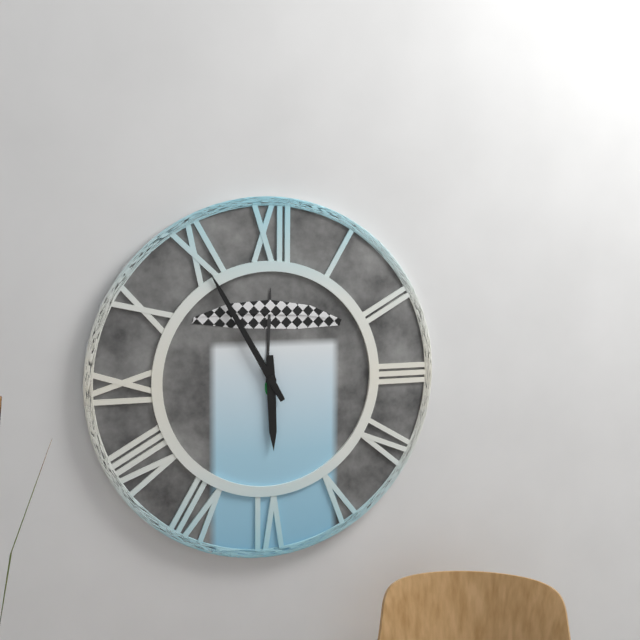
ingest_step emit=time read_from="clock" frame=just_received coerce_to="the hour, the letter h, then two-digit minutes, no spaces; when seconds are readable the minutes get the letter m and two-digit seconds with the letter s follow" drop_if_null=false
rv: 5h55
